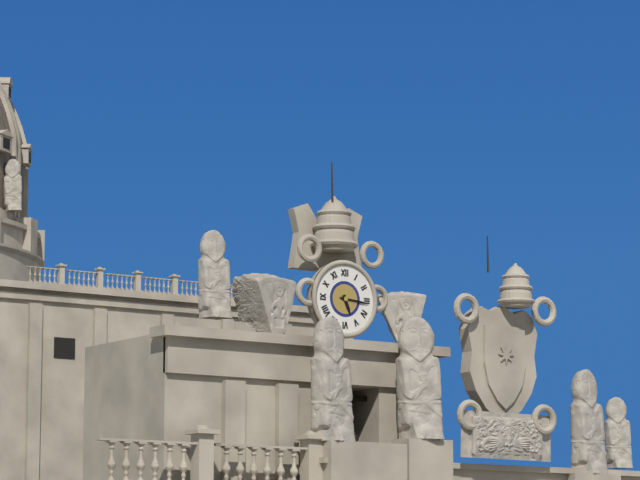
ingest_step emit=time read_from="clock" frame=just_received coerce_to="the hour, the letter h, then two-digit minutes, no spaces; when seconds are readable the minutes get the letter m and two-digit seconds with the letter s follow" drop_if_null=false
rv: 5h16
